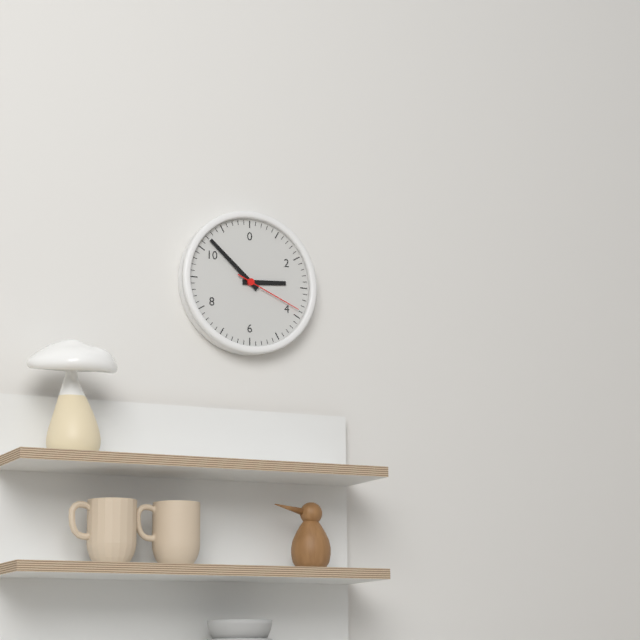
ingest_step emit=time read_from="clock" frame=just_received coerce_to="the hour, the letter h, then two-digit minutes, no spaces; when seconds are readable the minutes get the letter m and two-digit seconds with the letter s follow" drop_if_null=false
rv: 2h52m19s
